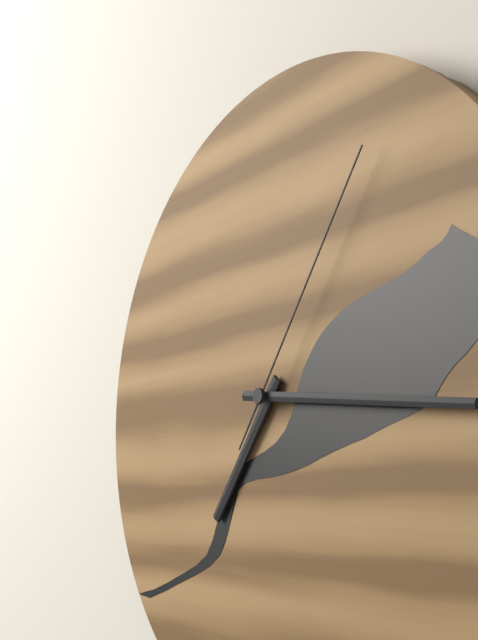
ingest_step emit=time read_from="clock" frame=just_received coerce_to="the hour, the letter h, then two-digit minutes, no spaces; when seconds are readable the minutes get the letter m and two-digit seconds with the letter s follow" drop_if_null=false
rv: 7h16m06s
